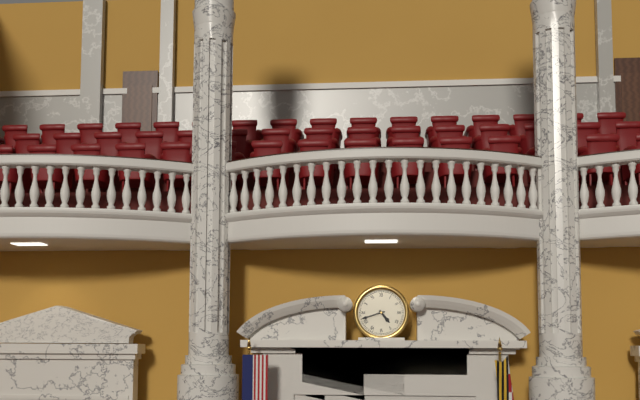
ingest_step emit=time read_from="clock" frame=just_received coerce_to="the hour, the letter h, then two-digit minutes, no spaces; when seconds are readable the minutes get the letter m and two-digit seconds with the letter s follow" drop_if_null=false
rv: 4h42
